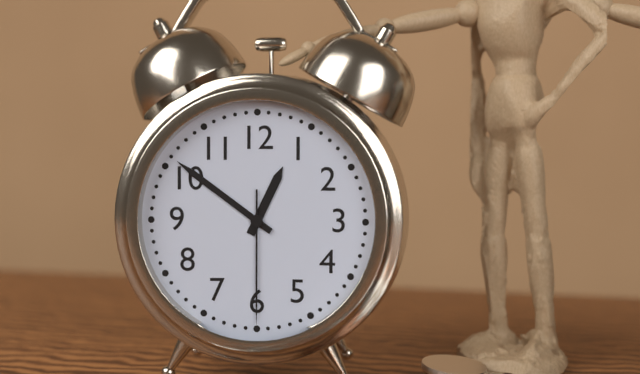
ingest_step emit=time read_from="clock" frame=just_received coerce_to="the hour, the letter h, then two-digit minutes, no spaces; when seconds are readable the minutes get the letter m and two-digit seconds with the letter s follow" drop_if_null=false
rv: 12h51m30s
